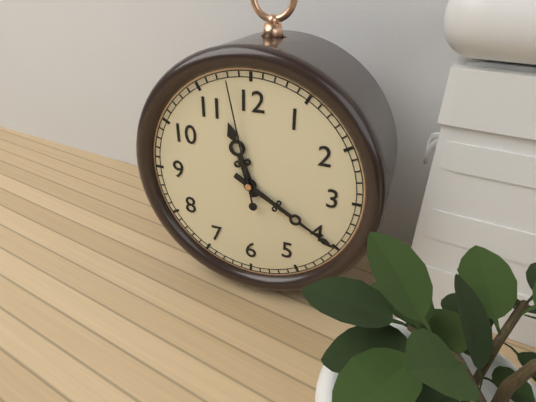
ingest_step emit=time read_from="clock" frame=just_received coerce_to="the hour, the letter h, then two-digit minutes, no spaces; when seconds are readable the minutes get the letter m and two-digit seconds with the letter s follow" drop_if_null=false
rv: 11h20m58s
